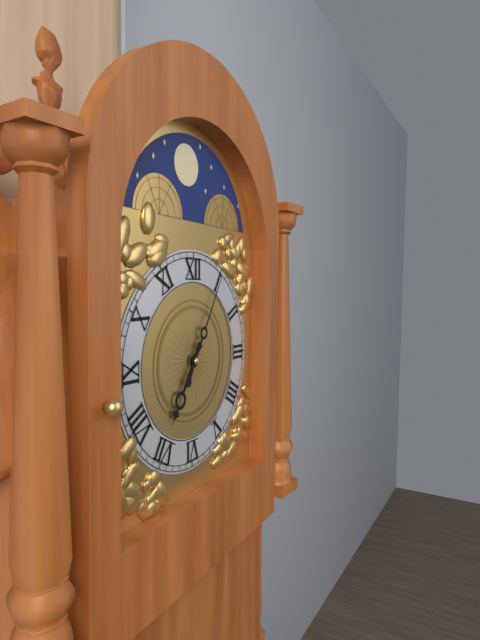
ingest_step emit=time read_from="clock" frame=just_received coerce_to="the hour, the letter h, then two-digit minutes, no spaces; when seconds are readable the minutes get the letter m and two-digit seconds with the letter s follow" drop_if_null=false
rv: 7h05
